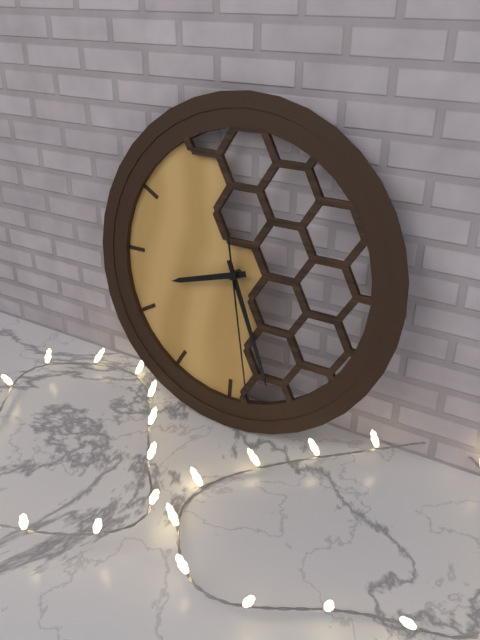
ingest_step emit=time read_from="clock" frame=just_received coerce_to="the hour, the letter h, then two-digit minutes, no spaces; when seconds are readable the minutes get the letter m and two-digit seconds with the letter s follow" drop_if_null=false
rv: 8h26m28s
